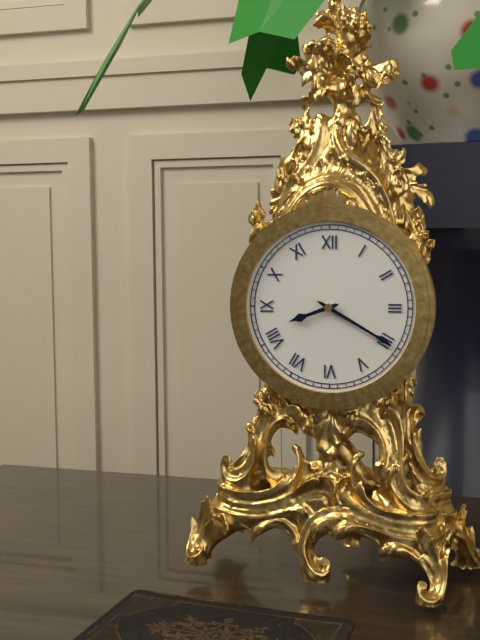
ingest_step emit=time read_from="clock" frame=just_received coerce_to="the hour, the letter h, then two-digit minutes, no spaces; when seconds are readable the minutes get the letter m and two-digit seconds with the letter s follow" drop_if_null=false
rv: 8h20
